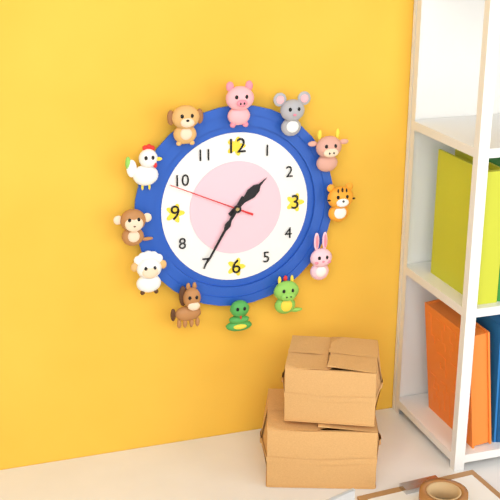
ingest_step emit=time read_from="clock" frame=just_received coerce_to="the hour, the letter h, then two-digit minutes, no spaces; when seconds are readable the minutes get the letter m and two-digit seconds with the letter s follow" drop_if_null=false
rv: 1h35m49s
